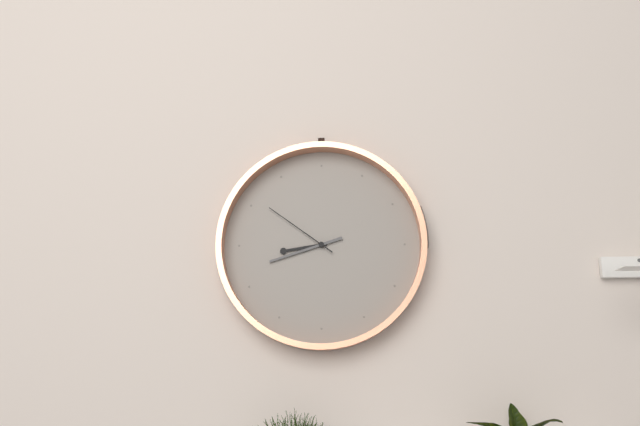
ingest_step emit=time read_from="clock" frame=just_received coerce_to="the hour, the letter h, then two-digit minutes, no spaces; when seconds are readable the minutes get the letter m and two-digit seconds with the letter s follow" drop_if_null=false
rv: 8h42m51s
